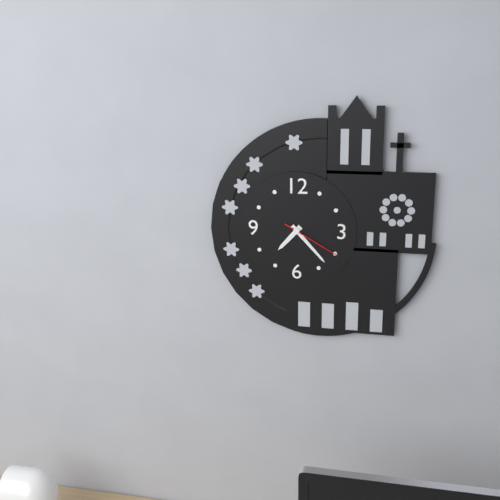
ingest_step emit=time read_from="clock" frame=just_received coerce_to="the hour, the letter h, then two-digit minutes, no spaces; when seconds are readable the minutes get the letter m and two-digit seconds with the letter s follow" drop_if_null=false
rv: 7h23m20s
